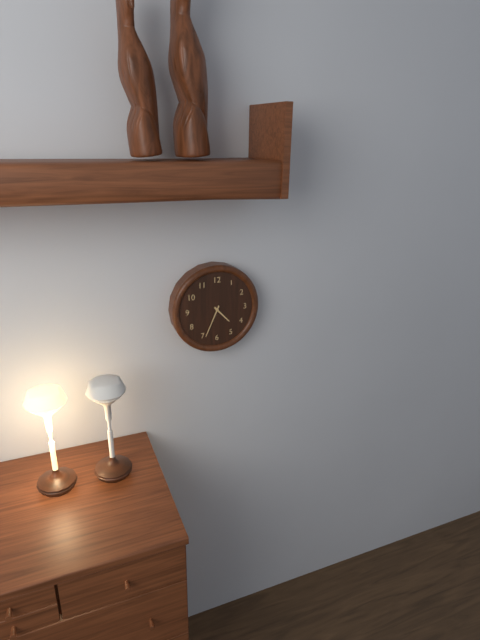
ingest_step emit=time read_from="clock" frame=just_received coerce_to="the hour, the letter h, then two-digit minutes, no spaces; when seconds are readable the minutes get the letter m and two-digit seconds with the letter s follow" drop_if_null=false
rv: 4h34
